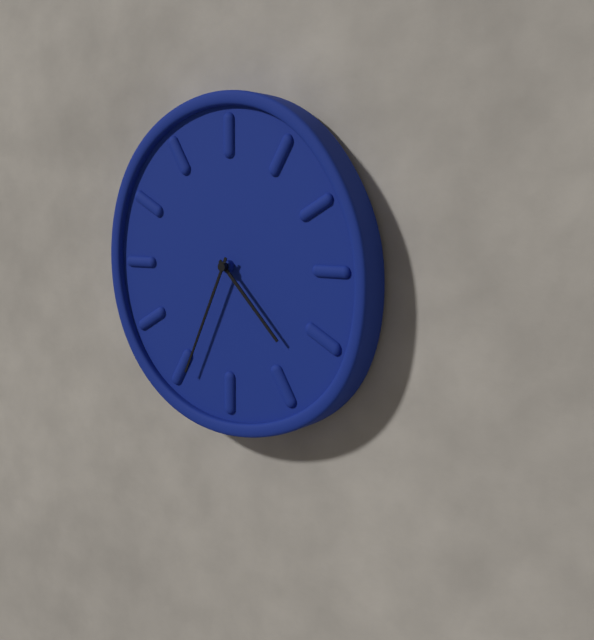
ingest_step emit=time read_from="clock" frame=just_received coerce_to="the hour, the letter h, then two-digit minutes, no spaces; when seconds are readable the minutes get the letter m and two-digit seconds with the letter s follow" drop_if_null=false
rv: 4h34
